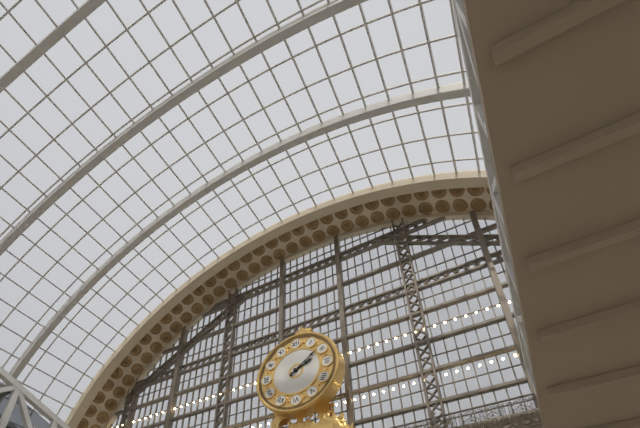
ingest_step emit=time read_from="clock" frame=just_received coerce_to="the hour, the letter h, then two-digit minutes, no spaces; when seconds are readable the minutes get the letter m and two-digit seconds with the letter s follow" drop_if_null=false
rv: 2h09
